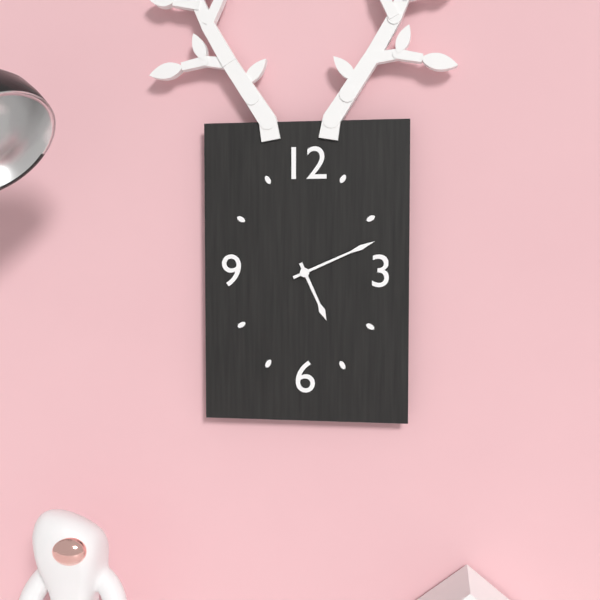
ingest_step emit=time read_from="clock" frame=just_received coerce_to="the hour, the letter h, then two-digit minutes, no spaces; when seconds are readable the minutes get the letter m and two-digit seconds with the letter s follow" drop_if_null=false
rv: 5h11
